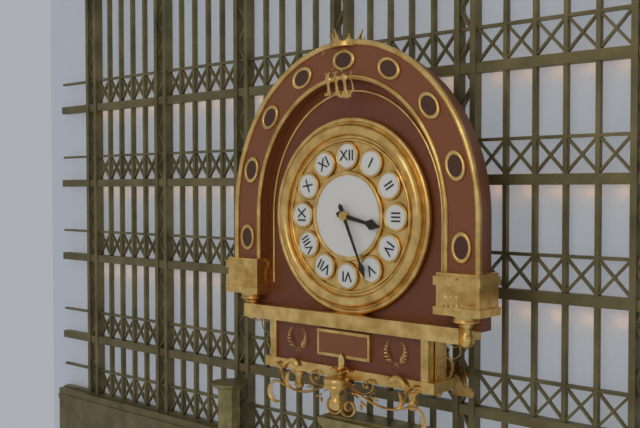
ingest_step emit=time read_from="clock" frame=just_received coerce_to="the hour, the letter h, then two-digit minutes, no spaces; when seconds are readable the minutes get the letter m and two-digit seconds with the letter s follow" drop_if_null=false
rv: 3h26
